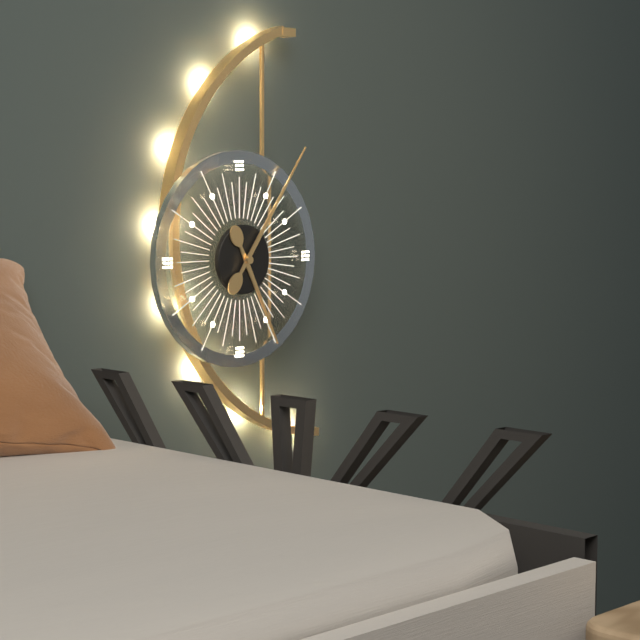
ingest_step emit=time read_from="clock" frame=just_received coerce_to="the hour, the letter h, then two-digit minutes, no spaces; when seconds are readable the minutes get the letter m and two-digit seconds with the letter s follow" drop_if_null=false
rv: 5h06
